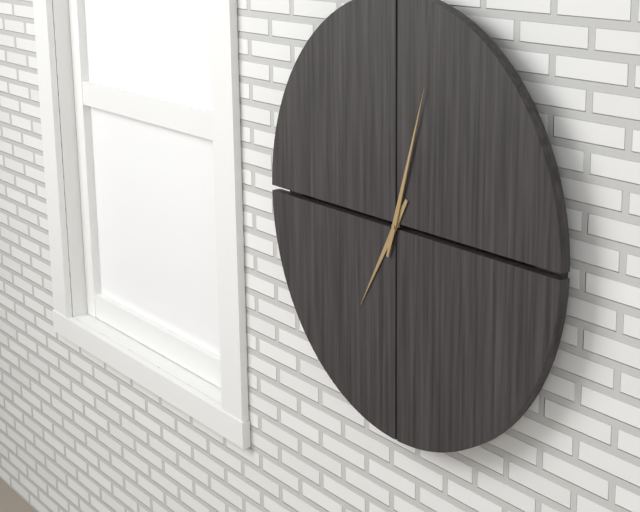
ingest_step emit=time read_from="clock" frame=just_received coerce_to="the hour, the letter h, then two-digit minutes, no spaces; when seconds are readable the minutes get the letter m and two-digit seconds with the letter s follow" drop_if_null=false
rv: 7h03
